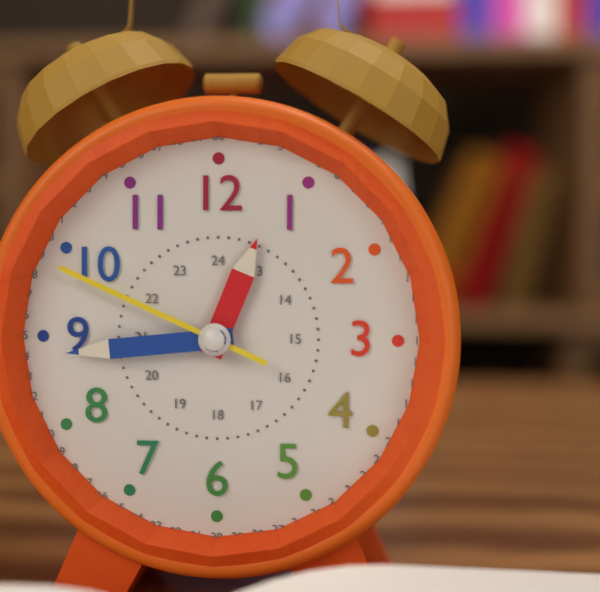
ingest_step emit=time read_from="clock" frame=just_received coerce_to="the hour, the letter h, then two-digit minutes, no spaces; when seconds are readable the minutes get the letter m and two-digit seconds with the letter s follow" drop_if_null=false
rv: 12h44m49s
